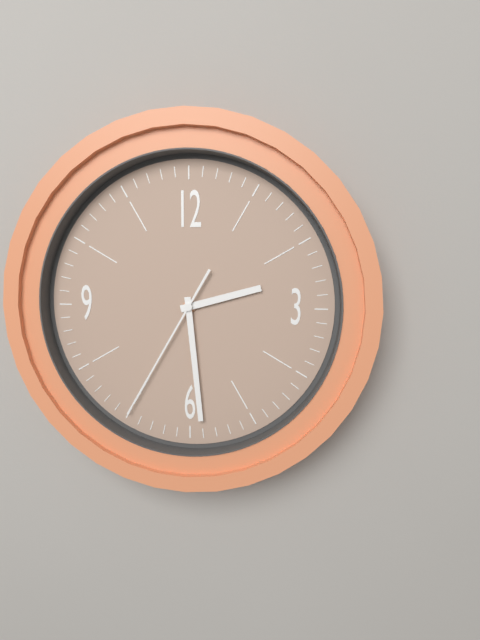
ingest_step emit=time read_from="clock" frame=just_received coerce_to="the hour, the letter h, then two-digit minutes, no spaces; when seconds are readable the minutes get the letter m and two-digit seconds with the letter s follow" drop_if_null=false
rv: 2h29m35s
